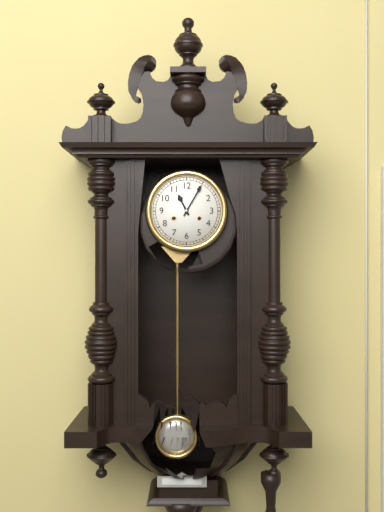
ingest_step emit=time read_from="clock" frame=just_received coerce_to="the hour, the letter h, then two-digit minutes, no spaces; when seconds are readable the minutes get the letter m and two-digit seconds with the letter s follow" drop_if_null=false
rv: 11h05
